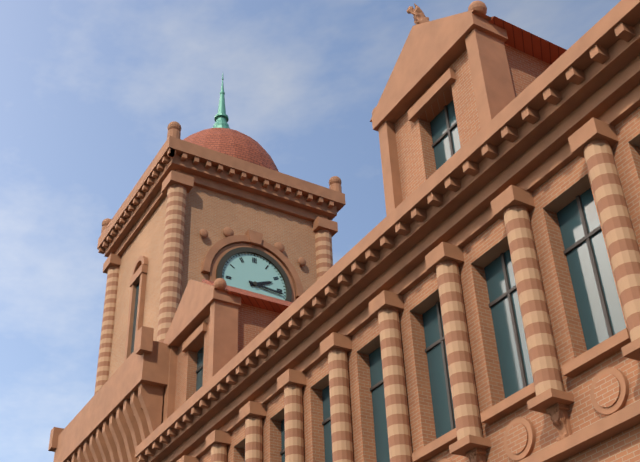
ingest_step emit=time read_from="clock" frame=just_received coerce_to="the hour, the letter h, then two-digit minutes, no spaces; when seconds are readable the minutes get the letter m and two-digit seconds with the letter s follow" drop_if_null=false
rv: 2h16
